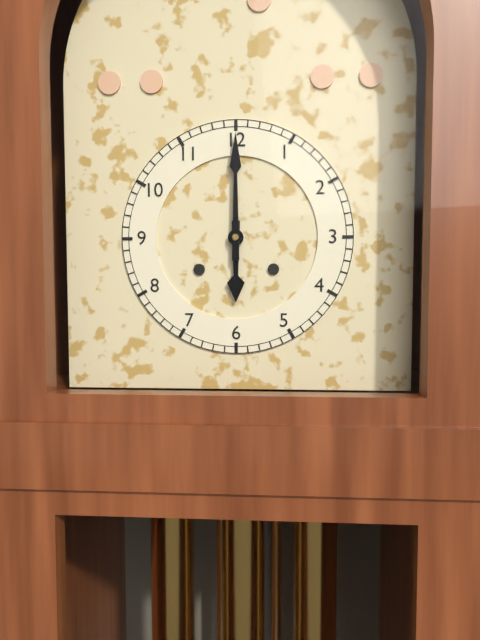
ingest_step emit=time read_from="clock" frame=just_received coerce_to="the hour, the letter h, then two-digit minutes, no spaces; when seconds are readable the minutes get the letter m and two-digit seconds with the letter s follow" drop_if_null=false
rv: 6h00
